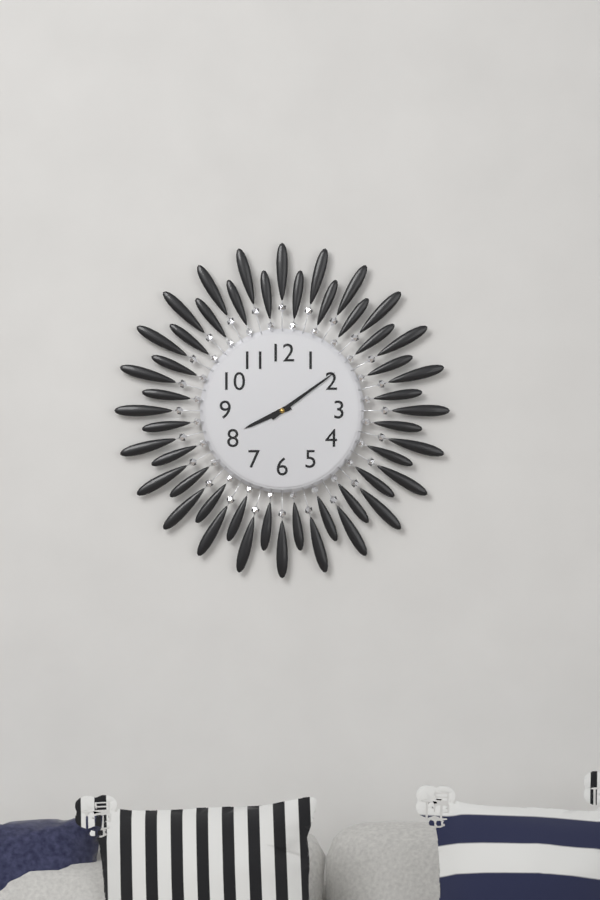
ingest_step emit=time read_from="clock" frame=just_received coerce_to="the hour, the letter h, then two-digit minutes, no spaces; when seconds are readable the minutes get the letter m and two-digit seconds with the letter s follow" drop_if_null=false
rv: 8h09
